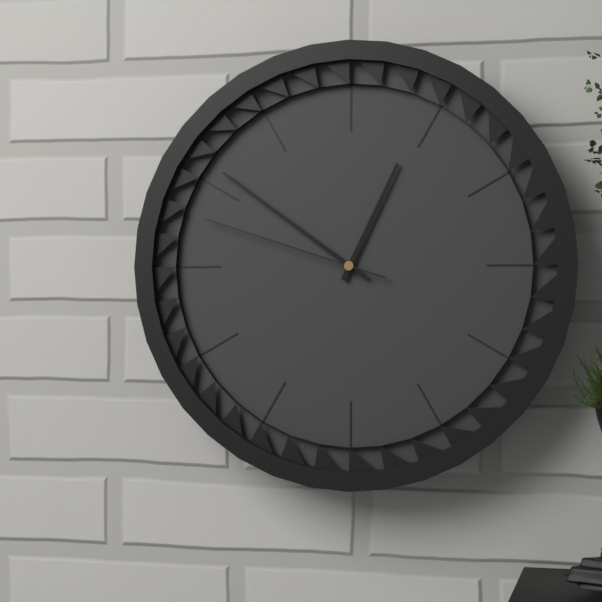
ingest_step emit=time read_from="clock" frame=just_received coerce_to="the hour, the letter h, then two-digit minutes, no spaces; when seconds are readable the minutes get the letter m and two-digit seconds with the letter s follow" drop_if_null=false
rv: 12h51m48s
